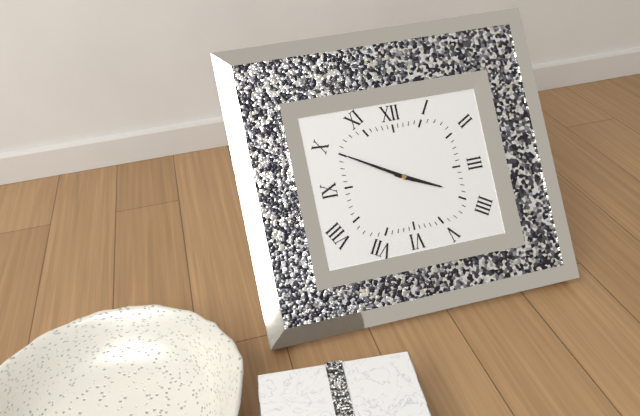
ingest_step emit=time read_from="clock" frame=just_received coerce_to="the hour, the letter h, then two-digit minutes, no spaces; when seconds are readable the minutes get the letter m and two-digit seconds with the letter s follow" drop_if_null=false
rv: 3h50
